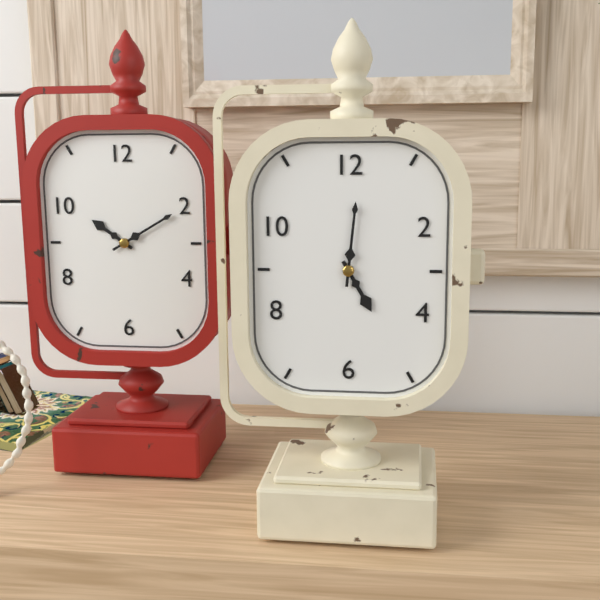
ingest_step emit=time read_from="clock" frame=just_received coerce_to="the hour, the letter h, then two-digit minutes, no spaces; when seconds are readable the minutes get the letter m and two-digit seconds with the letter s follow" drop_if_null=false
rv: 5h01
